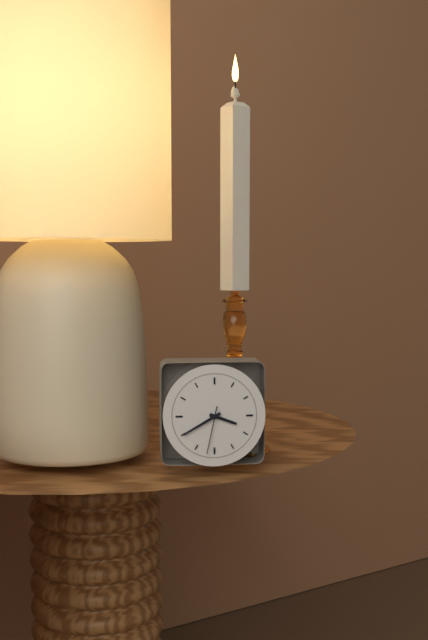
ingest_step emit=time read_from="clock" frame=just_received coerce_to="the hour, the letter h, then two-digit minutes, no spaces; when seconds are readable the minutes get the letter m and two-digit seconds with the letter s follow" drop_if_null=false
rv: 3h40m32s
